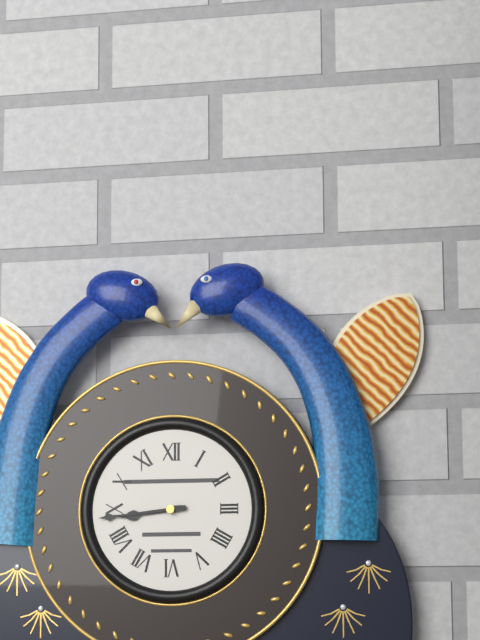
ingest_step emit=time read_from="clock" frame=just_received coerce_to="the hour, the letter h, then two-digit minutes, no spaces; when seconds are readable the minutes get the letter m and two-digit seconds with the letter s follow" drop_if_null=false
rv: 8h44
